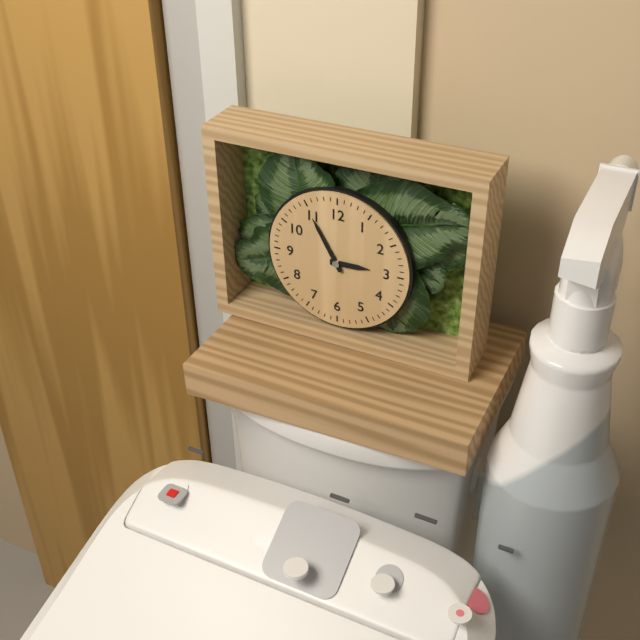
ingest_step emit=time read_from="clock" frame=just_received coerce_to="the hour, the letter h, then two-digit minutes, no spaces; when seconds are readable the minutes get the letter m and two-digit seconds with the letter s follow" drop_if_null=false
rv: 2h55
